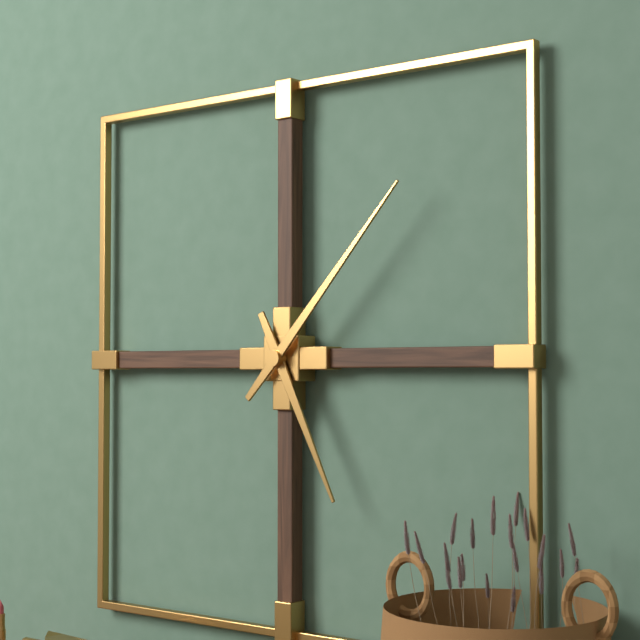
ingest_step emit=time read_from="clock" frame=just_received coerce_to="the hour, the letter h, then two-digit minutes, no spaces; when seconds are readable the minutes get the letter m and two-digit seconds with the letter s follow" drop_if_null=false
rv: 5h07
